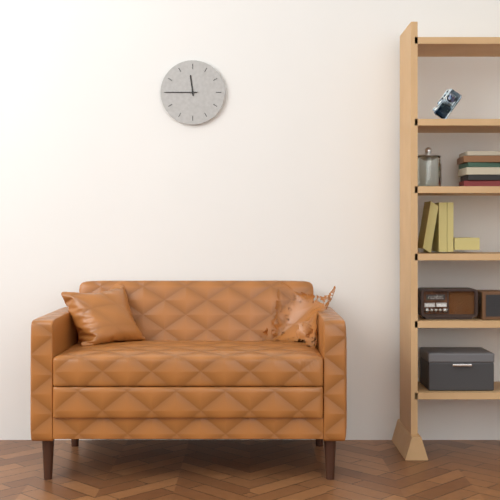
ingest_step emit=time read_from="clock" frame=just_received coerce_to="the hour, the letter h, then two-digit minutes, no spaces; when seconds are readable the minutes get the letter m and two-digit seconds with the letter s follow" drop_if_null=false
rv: 11h45
